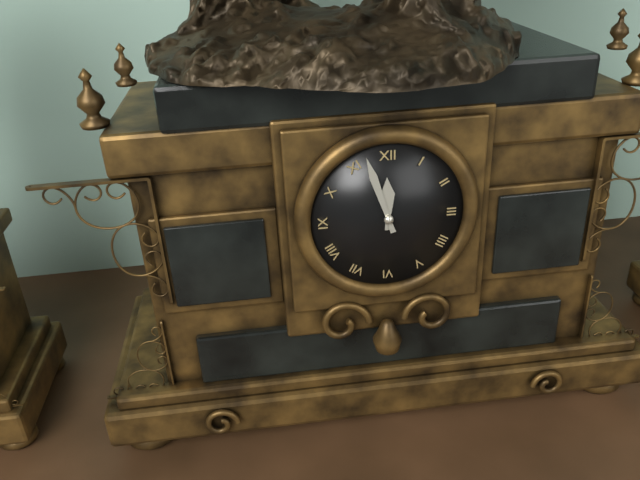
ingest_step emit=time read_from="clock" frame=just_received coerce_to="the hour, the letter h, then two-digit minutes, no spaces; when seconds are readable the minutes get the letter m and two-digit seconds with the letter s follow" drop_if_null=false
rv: 11h57
